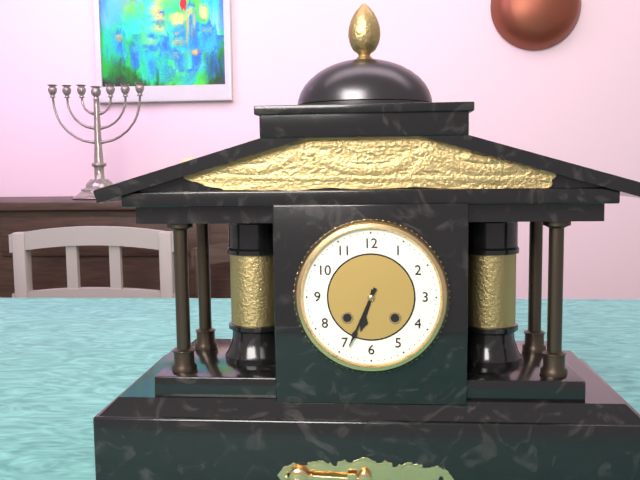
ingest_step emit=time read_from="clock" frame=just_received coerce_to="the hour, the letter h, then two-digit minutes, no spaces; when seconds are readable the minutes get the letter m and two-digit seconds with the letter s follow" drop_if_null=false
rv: 6h34
